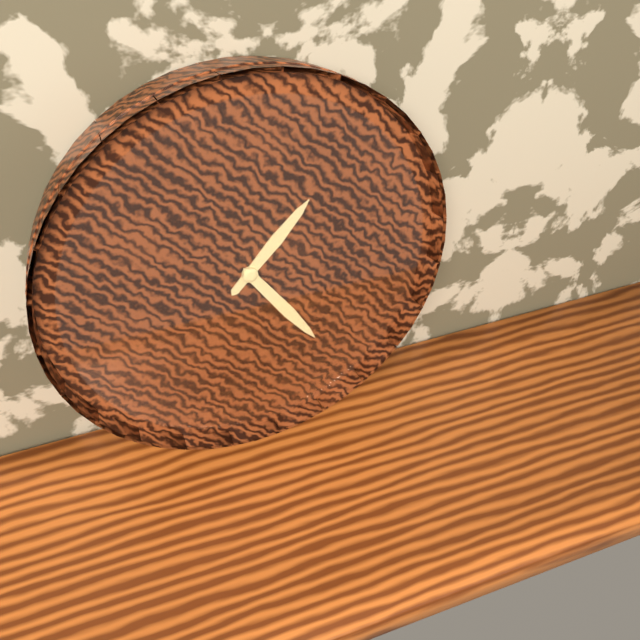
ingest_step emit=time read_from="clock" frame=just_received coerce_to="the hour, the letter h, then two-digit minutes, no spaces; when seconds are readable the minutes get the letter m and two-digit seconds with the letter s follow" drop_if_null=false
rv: 1h24
